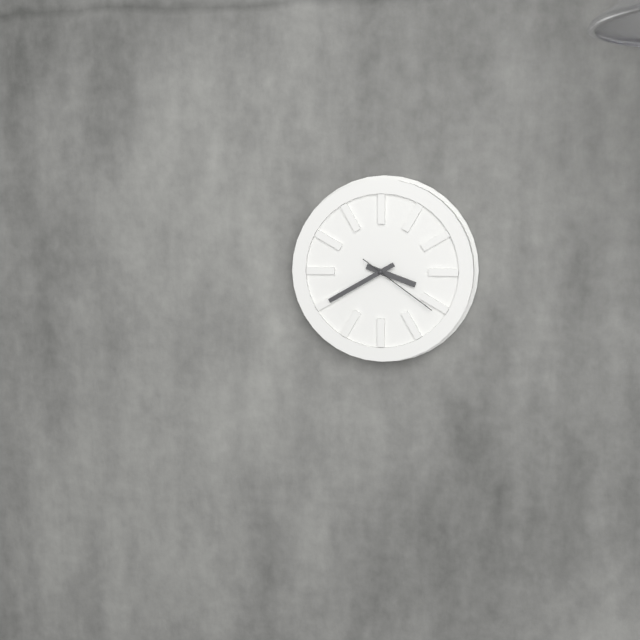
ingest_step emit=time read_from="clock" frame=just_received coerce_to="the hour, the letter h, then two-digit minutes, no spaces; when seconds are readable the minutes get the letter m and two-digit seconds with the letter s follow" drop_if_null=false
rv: 3h40m21s
